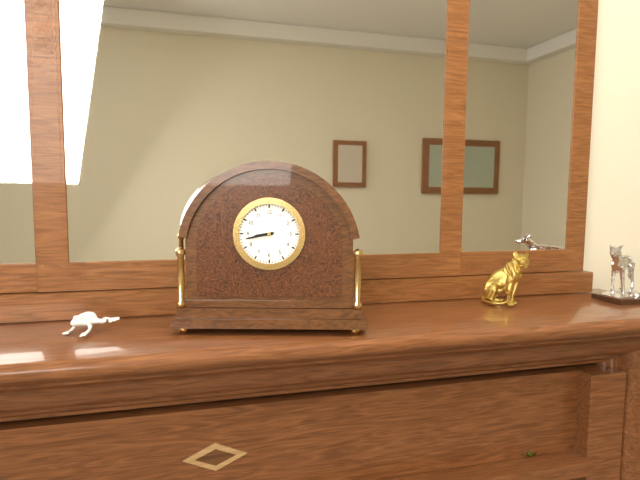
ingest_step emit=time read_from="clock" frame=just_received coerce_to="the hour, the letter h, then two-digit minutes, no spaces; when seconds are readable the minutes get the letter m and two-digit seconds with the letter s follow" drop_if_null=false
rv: 8h43
